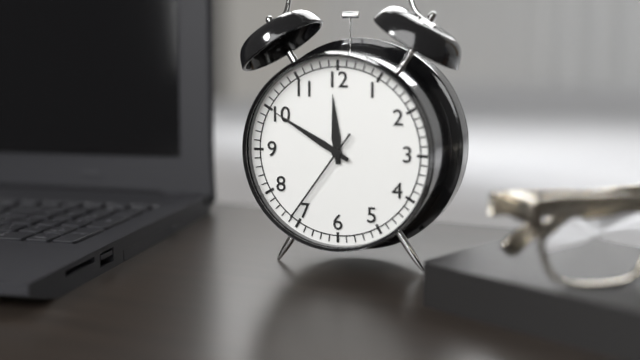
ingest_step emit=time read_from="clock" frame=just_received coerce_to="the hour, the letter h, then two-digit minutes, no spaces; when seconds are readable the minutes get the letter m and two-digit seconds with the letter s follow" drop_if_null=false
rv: 11h50m36s
